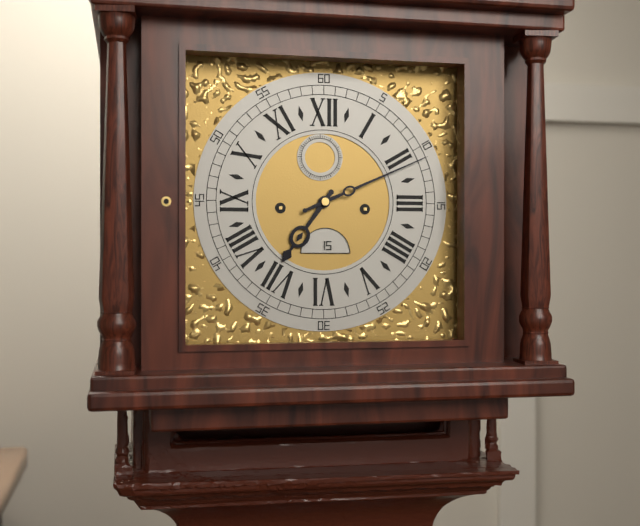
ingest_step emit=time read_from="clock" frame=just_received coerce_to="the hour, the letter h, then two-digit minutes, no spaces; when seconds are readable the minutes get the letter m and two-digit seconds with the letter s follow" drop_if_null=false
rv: 7h11
